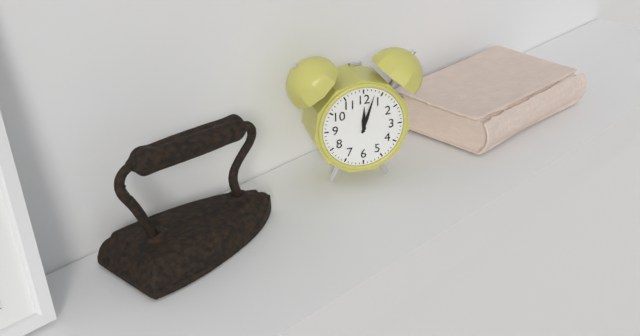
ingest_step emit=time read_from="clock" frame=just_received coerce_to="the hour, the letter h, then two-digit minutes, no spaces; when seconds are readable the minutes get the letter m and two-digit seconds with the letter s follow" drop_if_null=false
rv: 12h03
